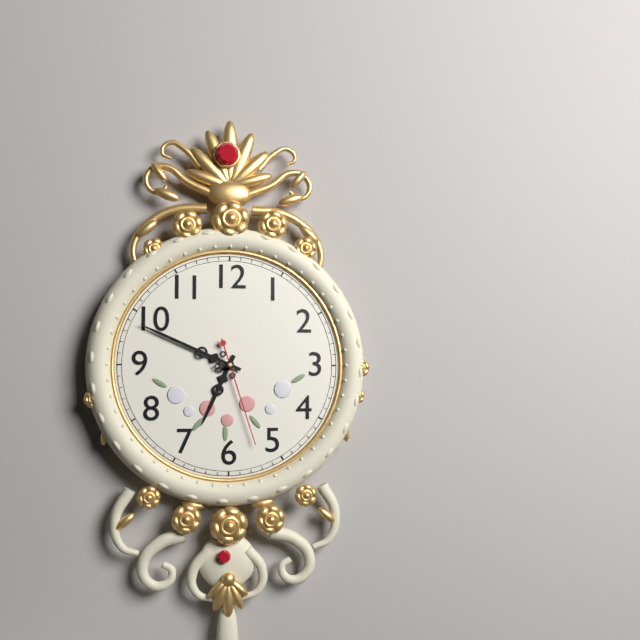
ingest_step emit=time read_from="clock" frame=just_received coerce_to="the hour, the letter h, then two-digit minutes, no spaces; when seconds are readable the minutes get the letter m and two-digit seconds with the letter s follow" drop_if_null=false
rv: 6h49m27s
